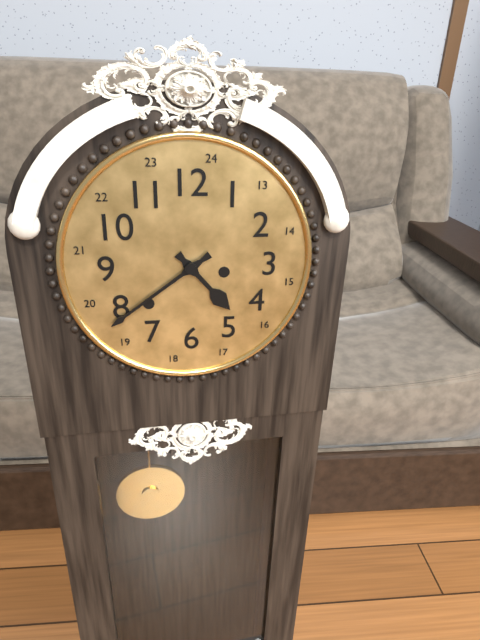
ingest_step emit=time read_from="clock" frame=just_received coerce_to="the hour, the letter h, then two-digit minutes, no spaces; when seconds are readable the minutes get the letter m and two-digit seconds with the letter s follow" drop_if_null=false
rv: 4h39
